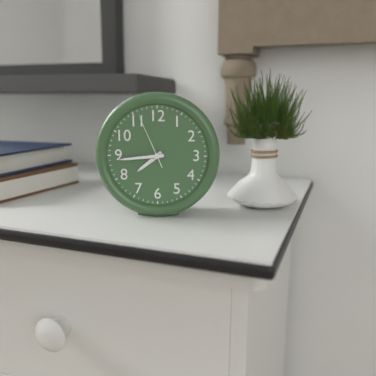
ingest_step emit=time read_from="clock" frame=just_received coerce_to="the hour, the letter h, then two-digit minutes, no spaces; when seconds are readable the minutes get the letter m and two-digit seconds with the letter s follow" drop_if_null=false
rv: 7h44m56s
